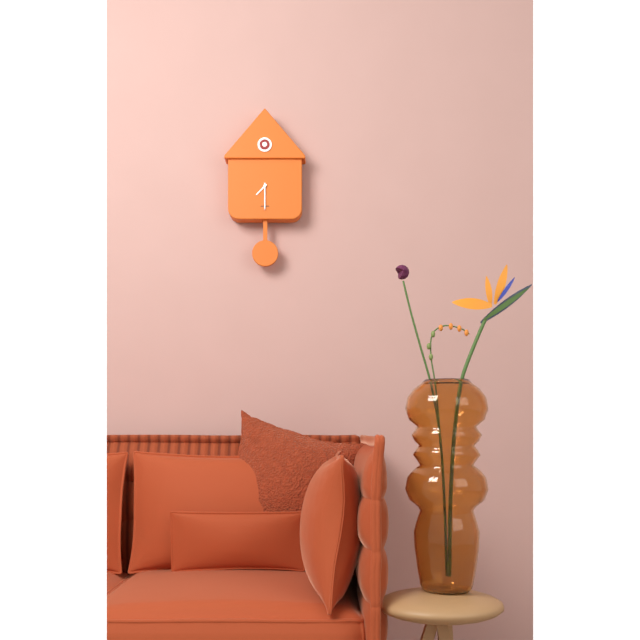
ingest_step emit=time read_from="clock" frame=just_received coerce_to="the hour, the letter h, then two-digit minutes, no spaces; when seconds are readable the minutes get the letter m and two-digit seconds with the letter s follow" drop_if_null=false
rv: 7h30
